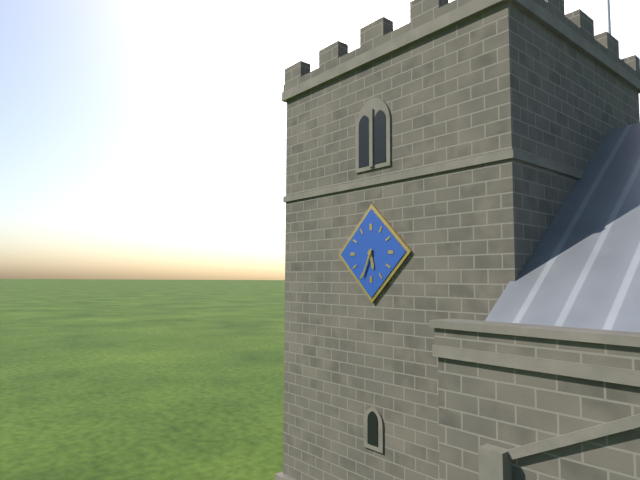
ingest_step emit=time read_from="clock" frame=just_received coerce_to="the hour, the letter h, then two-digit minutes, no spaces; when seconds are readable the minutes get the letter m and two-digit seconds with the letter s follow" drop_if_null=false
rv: 5h34
